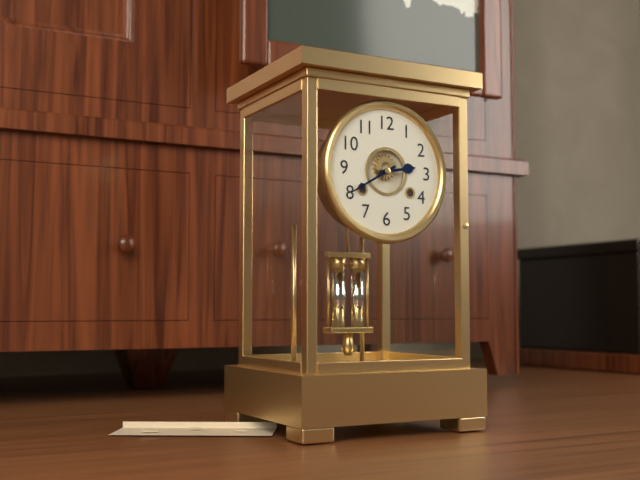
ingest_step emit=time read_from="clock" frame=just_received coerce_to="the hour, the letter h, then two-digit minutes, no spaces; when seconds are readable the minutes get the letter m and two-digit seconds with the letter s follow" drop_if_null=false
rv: 2h40
